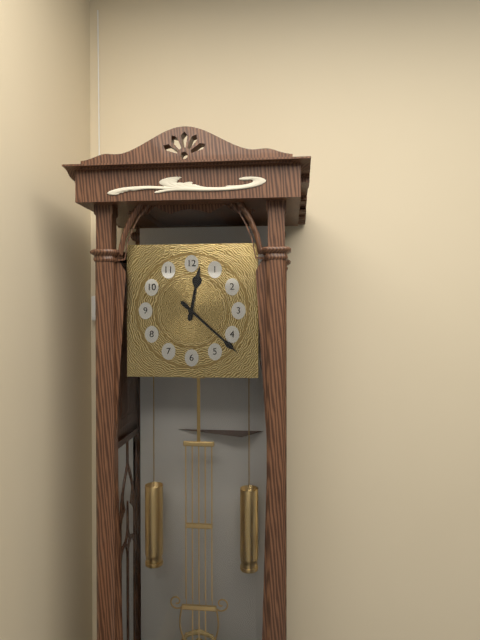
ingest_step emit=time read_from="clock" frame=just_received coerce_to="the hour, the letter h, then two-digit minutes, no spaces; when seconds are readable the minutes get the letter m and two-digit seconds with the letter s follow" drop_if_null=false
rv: 12h22
